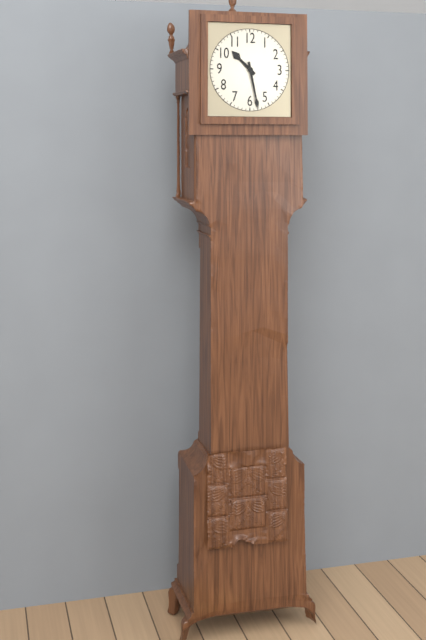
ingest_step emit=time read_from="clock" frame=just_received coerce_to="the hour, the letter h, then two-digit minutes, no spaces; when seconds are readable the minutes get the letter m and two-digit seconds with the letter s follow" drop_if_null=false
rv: 10h28
